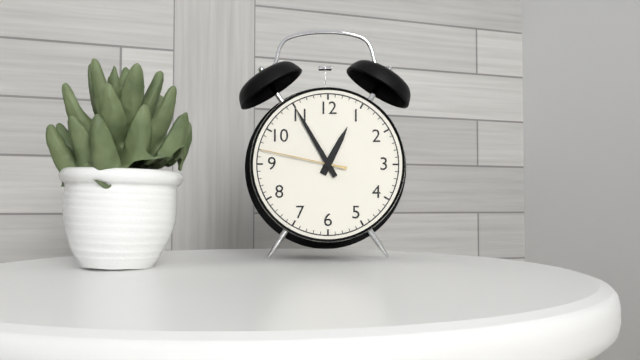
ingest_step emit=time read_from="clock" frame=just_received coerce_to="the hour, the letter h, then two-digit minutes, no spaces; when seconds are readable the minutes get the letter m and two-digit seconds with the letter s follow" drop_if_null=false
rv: 12h55m47s
